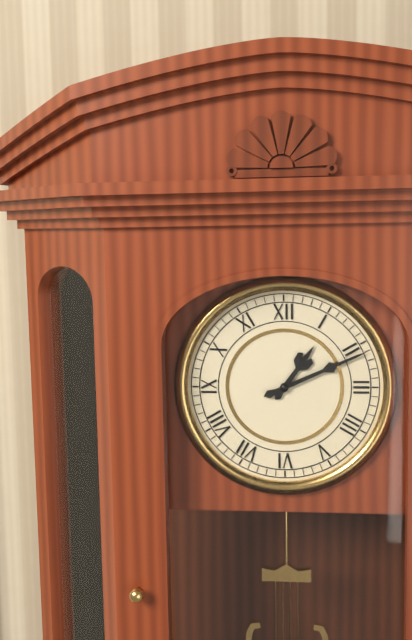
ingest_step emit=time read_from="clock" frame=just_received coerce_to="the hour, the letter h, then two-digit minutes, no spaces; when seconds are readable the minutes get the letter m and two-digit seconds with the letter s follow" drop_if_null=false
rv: 1h11
